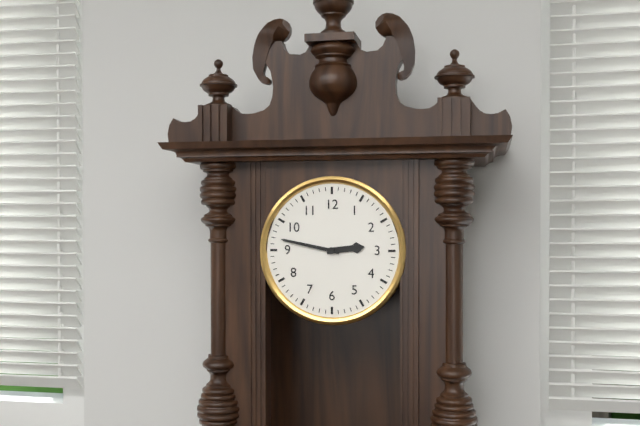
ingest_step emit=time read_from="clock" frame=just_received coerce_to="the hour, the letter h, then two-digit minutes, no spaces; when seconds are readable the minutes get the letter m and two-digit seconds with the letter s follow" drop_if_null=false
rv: 2h47
